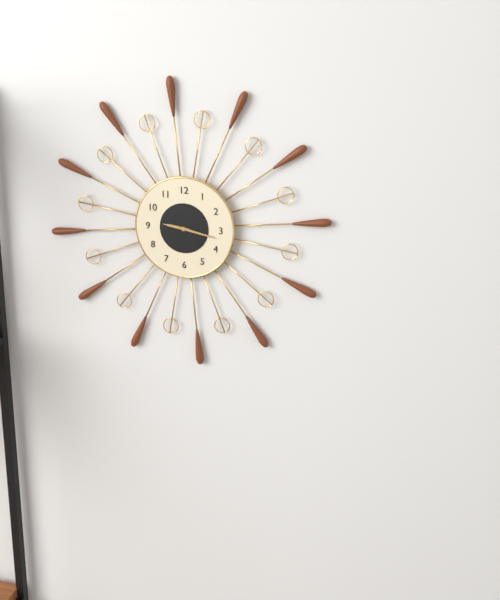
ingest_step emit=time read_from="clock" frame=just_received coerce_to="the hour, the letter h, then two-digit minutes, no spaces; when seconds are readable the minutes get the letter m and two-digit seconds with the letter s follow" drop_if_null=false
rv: 9h17
